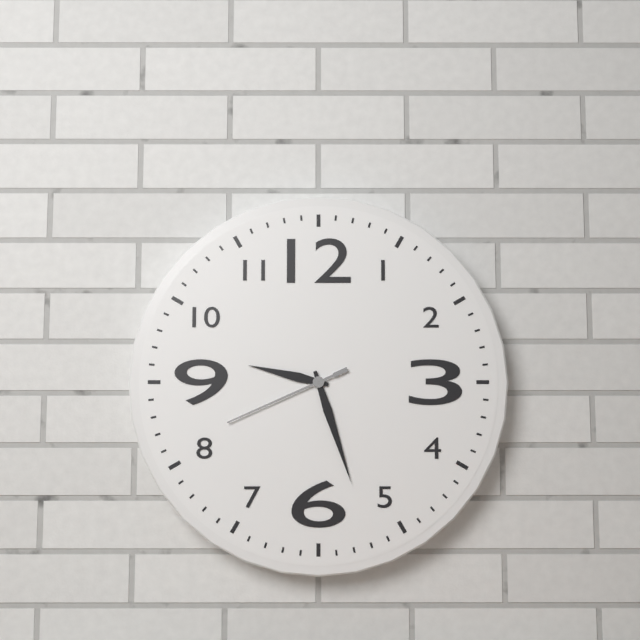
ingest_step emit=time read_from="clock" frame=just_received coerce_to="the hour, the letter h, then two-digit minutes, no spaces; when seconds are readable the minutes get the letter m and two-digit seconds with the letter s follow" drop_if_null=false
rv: 9h27m41s
